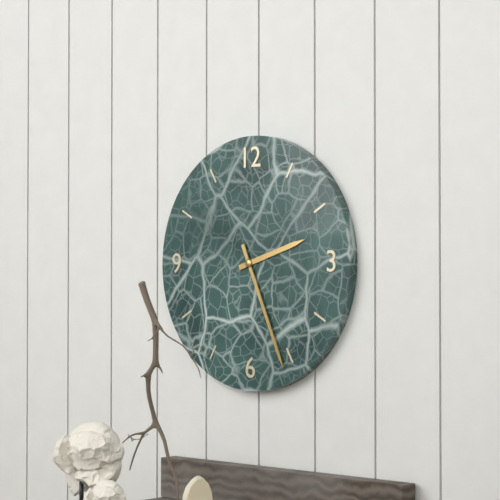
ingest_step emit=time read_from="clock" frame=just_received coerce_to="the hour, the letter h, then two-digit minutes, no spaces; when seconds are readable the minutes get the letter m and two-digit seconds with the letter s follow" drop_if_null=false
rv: 2h26
